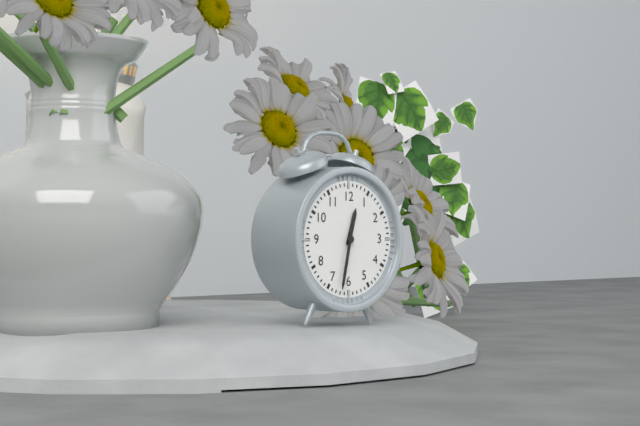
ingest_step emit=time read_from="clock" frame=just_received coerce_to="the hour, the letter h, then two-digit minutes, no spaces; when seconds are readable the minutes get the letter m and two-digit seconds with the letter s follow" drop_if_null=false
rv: 12h32
